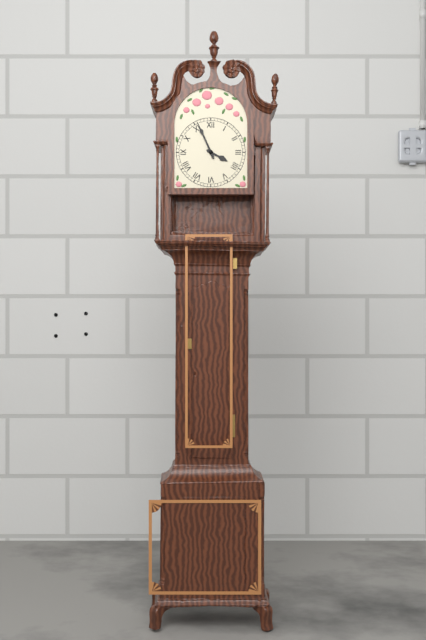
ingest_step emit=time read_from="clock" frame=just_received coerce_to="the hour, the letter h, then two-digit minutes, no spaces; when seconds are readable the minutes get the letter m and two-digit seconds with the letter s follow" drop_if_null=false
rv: 3h56
